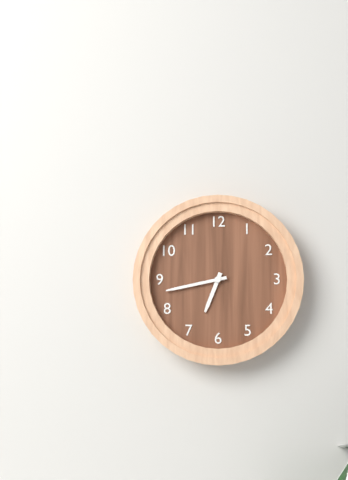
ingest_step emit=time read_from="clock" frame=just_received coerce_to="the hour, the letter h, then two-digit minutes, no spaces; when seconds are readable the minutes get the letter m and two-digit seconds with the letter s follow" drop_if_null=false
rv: 6h43
